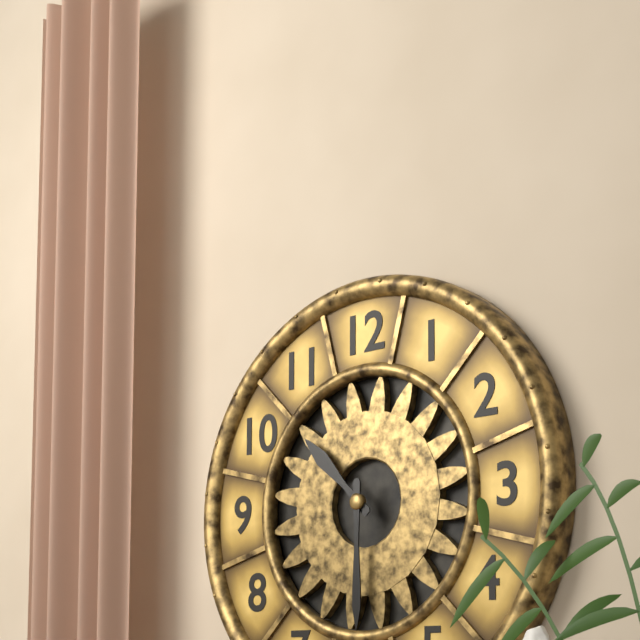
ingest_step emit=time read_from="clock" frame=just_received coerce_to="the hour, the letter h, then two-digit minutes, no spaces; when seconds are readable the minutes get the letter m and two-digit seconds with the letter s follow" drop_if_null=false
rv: 10h30
